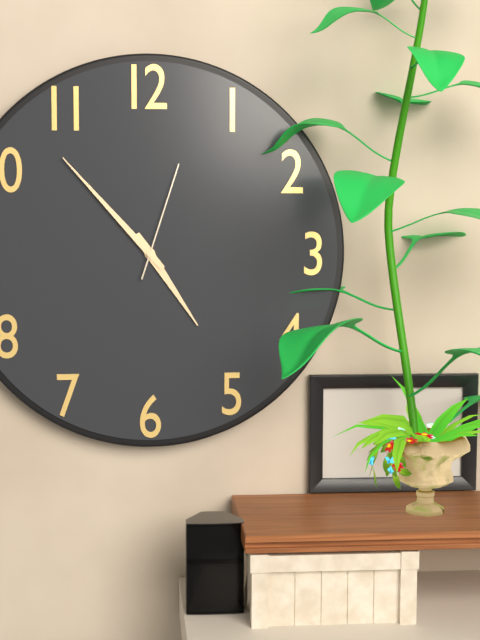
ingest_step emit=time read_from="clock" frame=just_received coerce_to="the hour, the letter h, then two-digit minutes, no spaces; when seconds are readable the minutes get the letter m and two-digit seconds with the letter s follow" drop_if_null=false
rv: 4h53m03s
